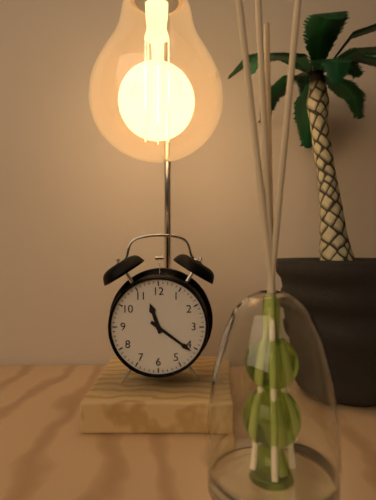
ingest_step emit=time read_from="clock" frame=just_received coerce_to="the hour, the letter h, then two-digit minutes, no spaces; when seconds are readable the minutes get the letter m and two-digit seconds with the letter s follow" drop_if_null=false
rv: 11h21
